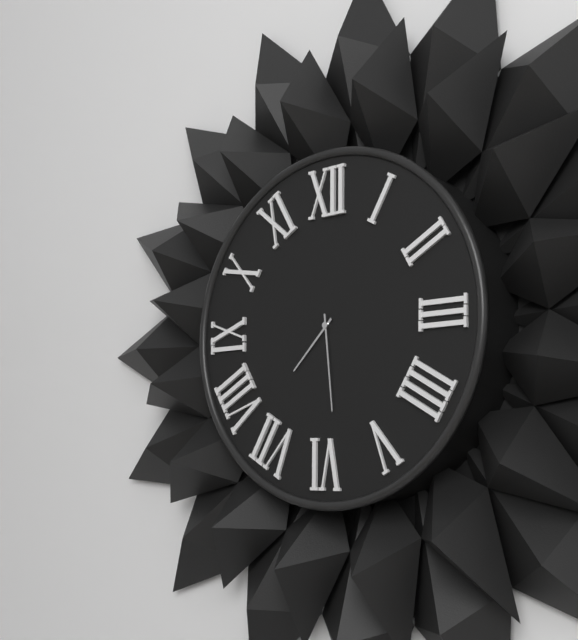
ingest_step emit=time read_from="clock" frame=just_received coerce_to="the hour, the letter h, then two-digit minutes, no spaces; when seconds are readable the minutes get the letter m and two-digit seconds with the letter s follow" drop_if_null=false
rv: 7h29
